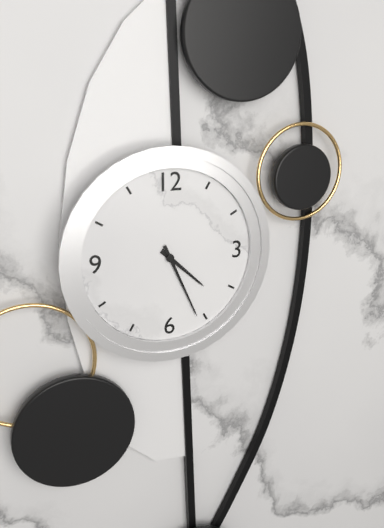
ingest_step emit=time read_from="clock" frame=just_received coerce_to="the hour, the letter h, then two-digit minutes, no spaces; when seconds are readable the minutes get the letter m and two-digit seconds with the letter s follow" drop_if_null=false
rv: 4h26
